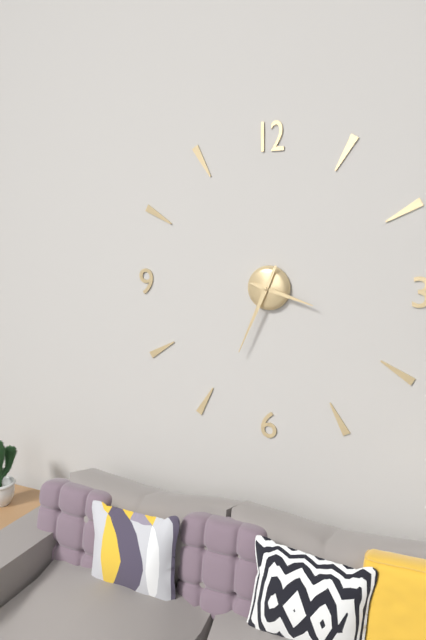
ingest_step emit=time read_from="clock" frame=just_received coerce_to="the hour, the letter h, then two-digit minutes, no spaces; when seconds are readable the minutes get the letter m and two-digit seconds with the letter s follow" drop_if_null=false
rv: 3h34
